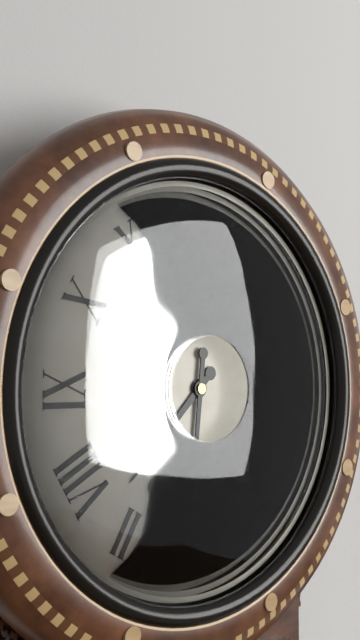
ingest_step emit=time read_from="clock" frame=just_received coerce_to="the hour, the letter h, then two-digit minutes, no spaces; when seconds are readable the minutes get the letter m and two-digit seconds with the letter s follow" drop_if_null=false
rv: 7h31
